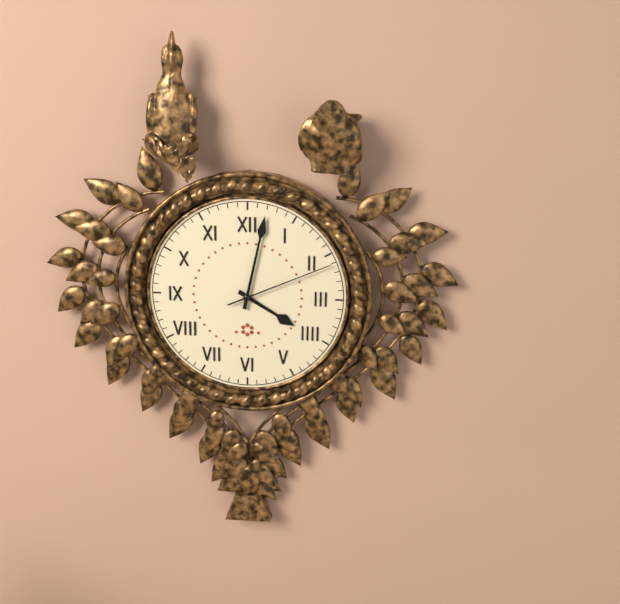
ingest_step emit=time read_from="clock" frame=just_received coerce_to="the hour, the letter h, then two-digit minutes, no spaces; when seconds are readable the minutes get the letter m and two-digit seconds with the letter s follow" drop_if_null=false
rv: 4h02m11s
